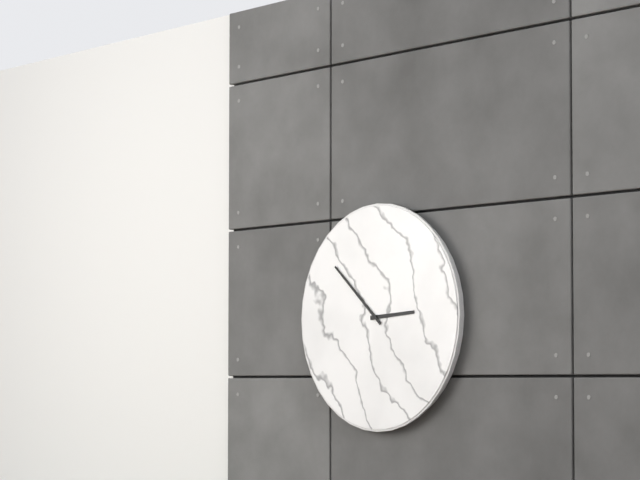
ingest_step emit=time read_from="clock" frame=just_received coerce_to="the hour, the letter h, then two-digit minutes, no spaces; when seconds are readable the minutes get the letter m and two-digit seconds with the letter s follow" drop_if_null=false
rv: 2h52
